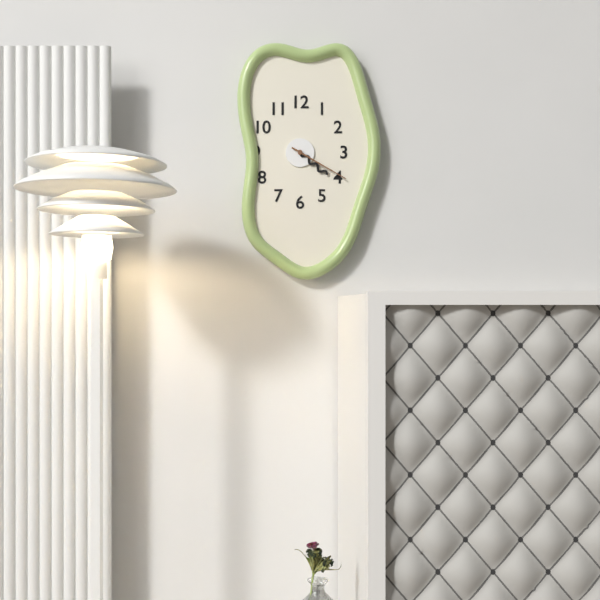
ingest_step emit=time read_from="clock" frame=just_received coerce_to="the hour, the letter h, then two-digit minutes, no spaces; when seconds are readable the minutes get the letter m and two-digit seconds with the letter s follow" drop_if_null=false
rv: 4h20
